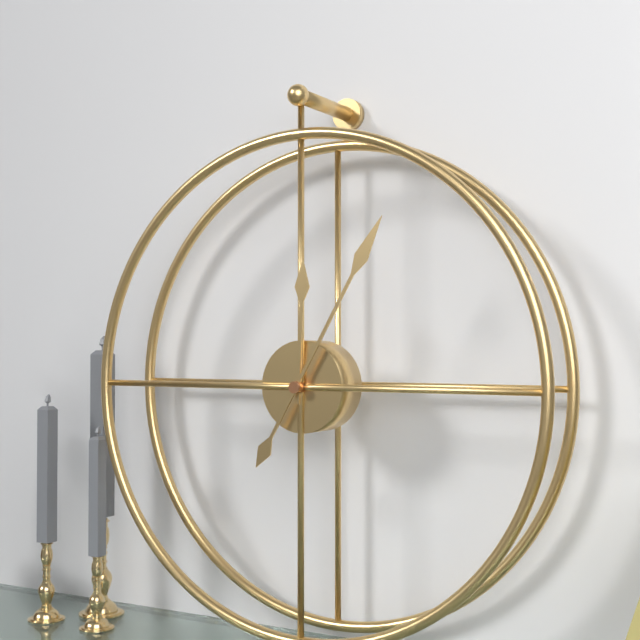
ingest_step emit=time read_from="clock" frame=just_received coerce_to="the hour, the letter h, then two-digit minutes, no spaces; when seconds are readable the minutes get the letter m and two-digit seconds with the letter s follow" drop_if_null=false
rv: 12h05
